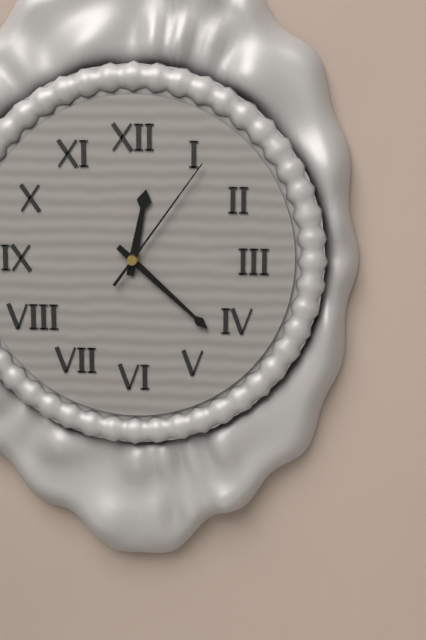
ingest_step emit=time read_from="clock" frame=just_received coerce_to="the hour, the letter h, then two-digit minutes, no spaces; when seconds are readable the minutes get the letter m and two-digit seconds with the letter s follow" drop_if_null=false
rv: 12h22m06s
